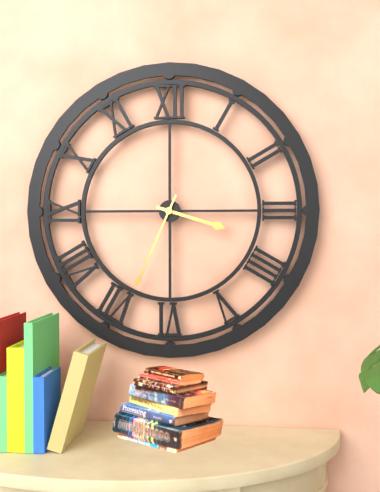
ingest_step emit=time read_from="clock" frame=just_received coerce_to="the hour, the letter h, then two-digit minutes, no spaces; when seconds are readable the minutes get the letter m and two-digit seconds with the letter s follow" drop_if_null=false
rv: 3h34
